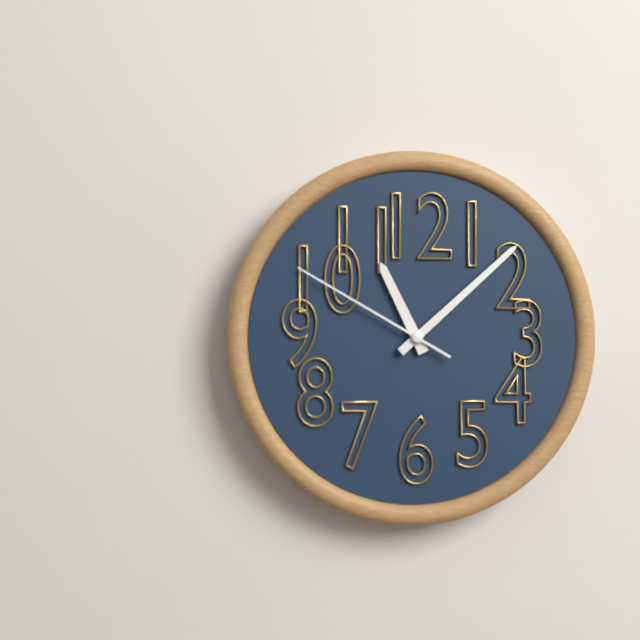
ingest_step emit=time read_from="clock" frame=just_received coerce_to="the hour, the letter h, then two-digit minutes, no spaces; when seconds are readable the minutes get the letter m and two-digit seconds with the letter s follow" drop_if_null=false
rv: 11h08m50s
